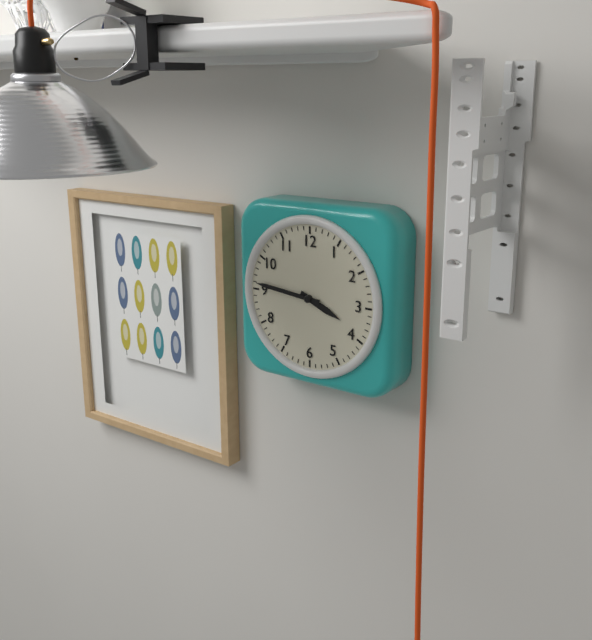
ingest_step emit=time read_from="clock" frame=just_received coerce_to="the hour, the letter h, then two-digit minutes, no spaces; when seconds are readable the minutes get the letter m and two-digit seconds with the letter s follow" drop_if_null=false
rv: 3h46
